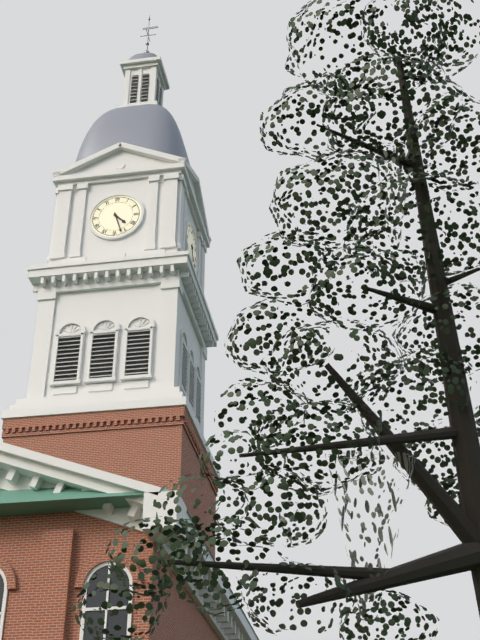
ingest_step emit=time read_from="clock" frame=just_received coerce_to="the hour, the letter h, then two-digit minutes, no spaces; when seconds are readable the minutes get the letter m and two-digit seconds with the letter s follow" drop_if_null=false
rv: 4h27
